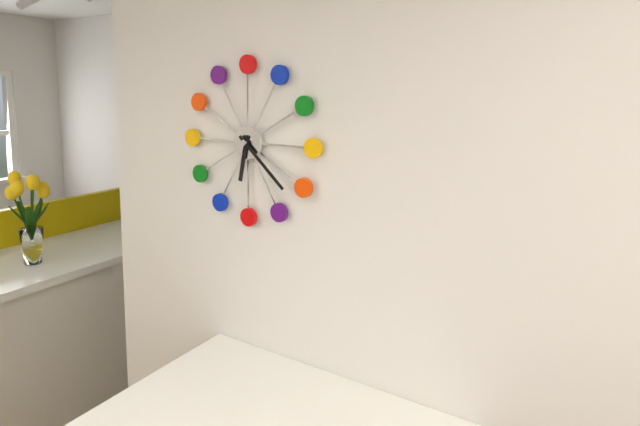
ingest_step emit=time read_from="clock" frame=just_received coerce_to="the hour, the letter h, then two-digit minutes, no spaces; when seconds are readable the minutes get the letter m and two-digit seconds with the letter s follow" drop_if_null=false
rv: 6h22
